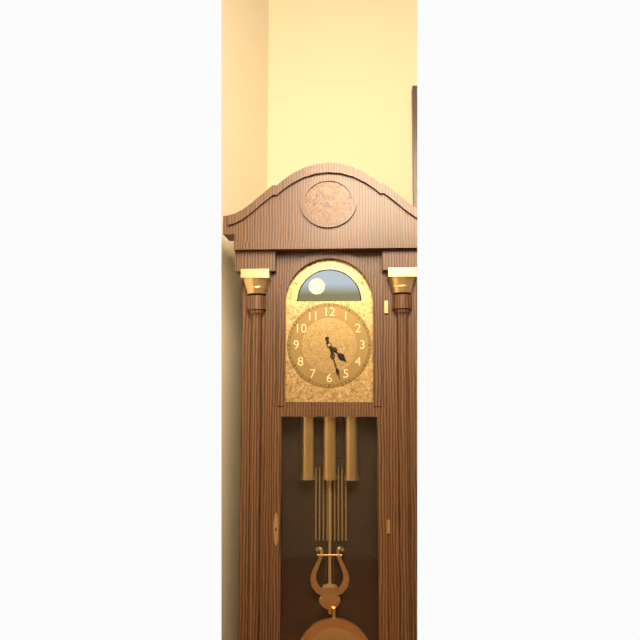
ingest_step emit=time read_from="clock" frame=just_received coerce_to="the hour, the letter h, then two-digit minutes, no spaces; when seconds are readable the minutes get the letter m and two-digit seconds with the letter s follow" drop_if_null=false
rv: 4h27
